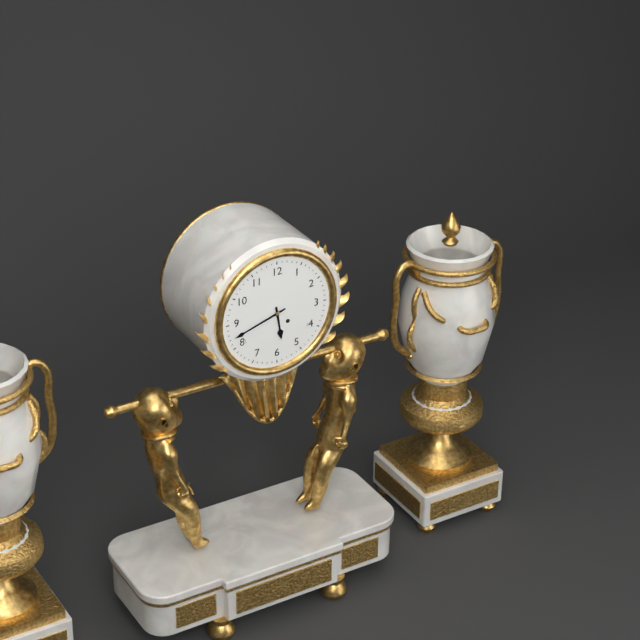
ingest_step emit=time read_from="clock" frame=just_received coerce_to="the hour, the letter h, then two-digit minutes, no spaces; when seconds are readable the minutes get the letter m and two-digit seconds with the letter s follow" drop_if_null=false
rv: 5h42
